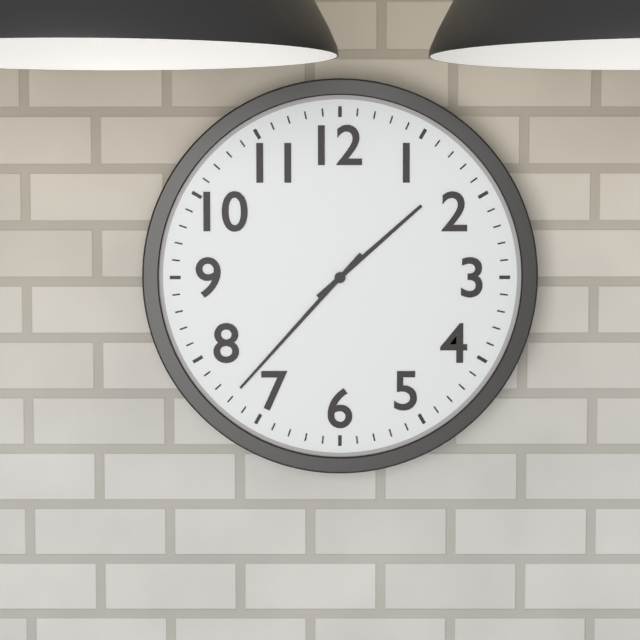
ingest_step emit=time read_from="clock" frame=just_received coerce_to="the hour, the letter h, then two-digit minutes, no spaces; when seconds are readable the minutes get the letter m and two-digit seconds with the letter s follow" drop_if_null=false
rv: 1h37
